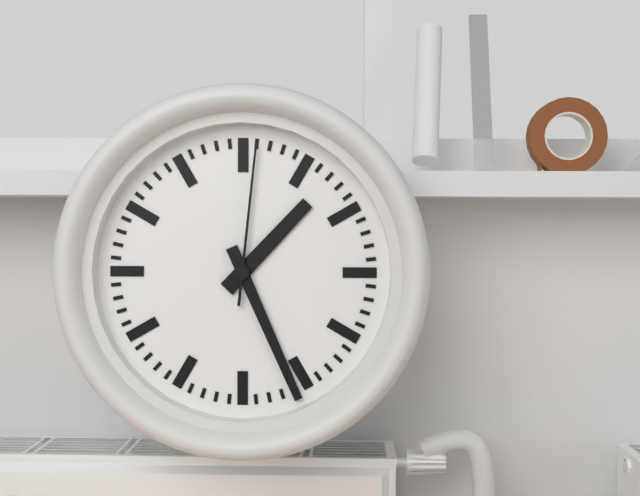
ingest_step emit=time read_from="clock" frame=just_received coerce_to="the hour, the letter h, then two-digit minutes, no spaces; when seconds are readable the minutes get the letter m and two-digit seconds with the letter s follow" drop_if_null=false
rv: 1h26m01s
